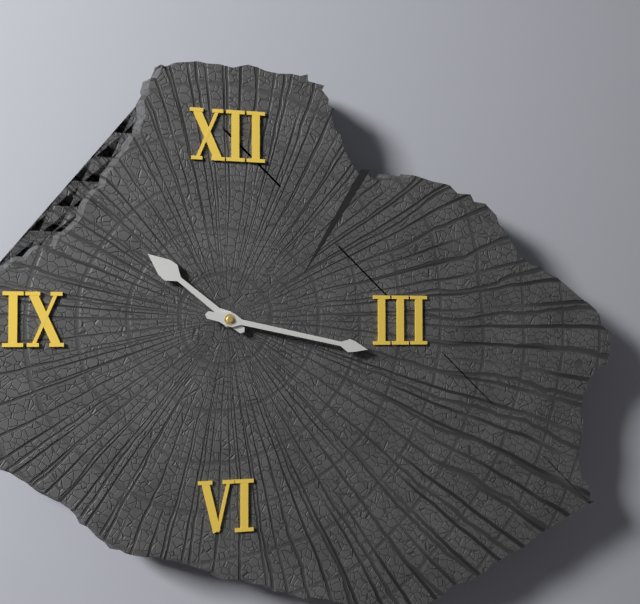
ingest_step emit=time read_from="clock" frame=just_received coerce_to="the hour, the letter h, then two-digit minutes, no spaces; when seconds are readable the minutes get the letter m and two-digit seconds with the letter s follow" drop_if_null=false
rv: 10h17
